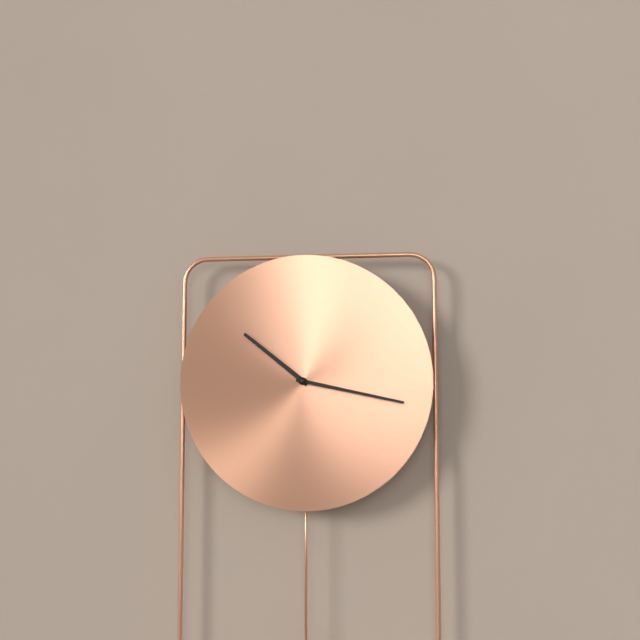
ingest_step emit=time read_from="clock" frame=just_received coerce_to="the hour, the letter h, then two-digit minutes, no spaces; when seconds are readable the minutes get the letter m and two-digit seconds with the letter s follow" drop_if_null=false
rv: 10h17
